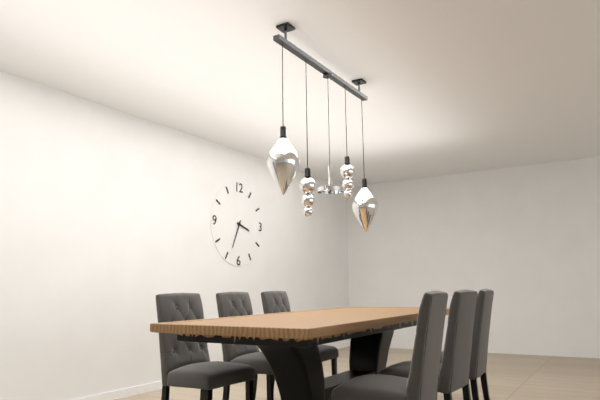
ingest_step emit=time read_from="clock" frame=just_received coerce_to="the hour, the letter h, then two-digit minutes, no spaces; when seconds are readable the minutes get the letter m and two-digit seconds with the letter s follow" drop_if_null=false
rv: 3h34
